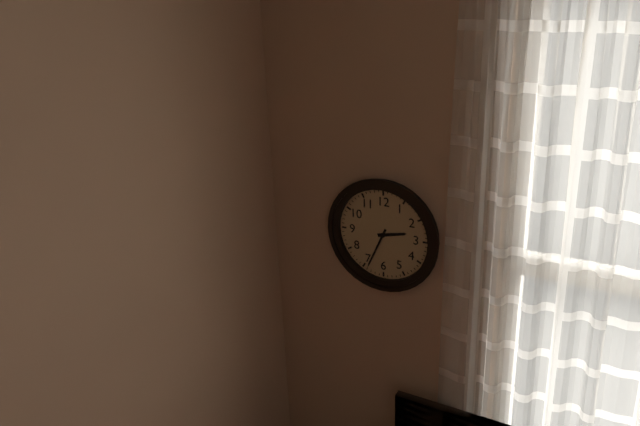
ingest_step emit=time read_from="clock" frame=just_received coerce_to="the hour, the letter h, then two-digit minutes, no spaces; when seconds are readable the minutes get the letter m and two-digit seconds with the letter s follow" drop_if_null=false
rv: 2h34
